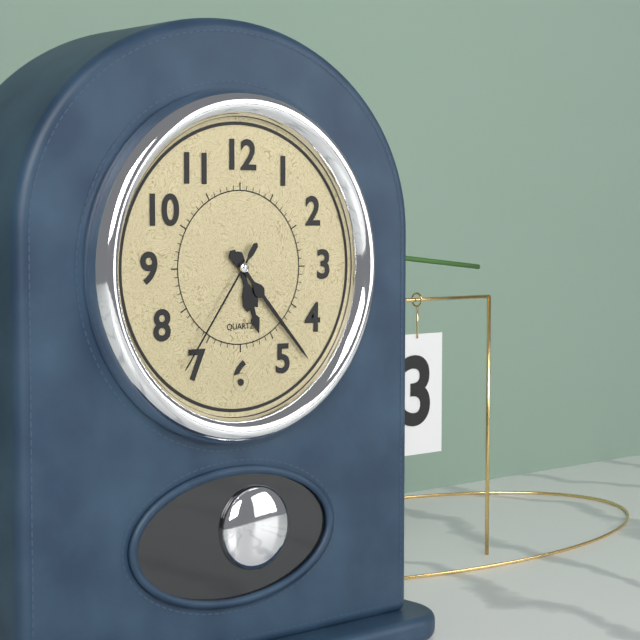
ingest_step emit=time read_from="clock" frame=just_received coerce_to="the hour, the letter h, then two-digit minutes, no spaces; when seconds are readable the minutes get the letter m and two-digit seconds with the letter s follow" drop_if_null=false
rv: 5h23m36s
